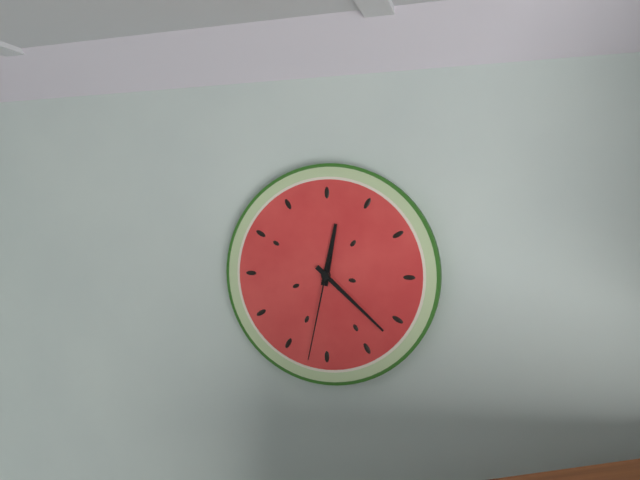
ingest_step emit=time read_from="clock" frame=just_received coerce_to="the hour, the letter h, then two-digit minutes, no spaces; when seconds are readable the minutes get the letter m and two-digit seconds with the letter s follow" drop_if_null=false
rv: 12h22m32s
